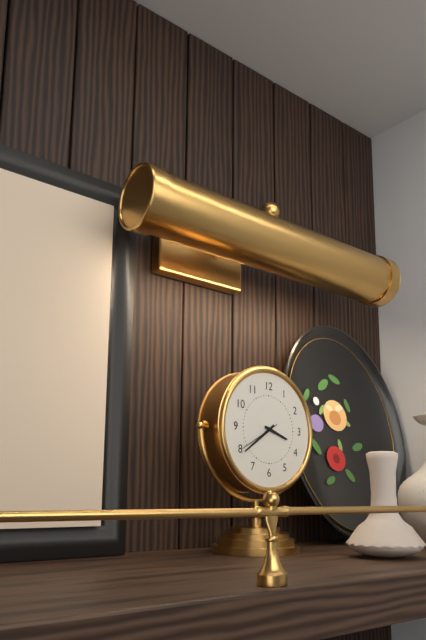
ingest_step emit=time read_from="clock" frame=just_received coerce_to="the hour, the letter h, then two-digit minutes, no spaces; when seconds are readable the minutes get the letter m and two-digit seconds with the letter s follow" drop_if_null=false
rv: 3h39
